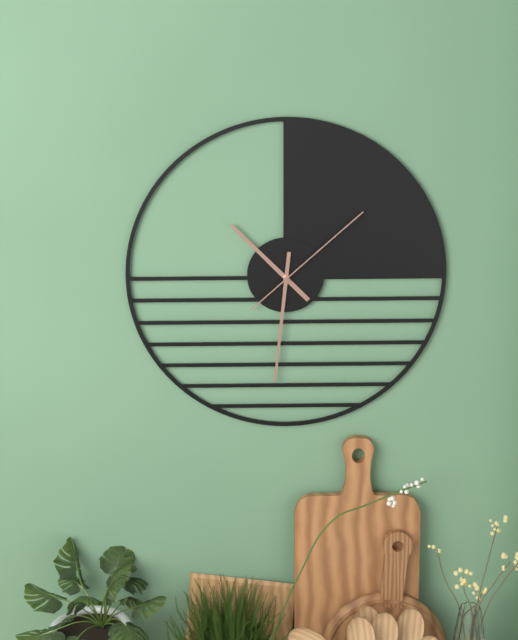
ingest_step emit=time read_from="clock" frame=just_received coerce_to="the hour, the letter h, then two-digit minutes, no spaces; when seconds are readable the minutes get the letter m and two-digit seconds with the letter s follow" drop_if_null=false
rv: 10h31m08s
